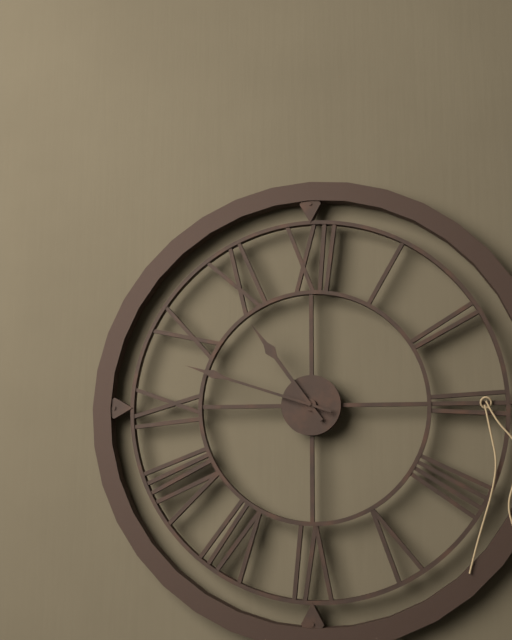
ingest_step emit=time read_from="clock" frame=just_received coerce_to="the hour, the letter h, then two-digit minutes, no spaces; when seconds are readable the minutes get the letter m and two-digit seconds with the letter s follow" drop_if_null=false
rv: 10h48
